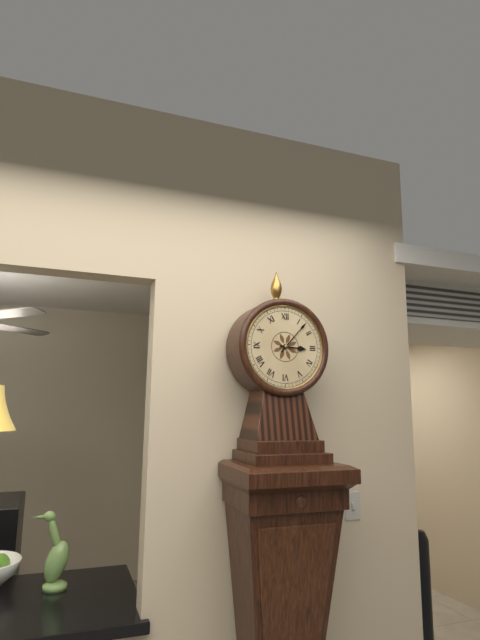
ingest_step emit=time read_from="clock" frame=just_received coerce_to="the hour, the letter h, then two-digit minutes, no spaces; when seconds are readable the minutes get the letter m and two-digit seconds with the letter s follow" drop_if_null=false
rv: 3h07
